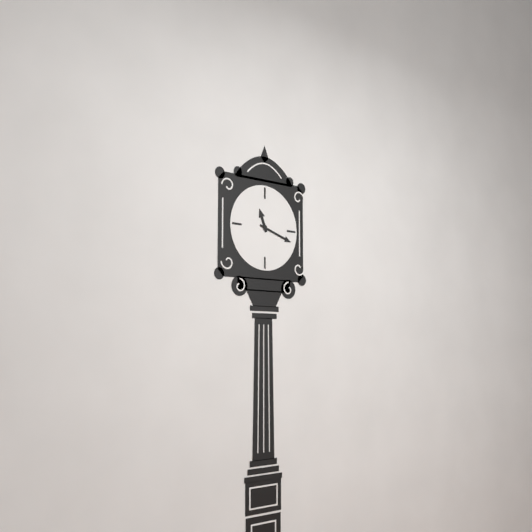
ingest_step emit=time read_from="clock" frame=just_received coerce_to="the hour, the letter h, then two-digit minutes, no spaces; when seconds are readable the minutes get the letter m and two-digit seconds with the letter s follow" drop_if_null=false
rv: 11h18
